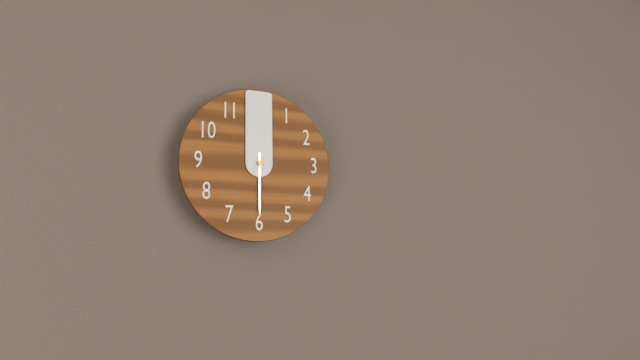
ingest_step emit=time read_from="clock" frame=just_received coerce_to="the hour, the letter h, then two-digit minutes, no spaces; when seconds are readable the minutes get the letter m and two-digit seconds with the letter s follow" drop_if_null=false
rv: 6h00
